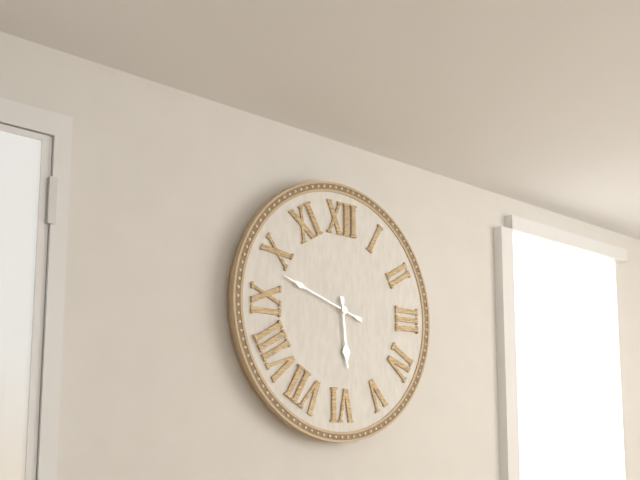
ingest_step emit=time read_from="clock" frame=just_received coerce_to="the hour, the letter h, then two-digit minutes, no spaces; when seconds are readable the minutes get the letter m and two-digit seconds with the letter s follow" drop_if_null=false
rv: 5h48
